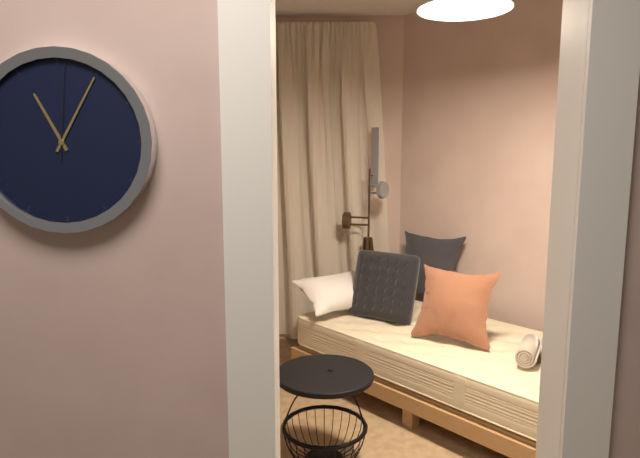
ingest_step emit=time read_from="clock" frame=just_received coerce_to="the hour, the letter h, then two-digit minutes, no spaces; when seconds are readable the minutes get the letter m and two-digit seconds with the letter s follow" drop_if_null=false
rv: 11h05m01s
